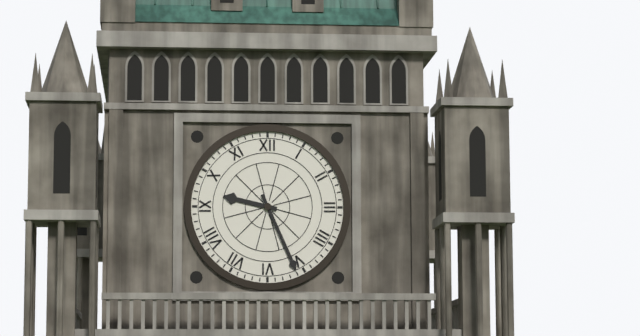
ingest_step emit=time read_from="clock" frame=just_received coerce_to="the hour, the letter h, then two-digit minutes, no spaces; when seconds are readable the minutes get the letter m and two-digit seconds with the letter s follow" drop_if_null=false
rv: 9h26
